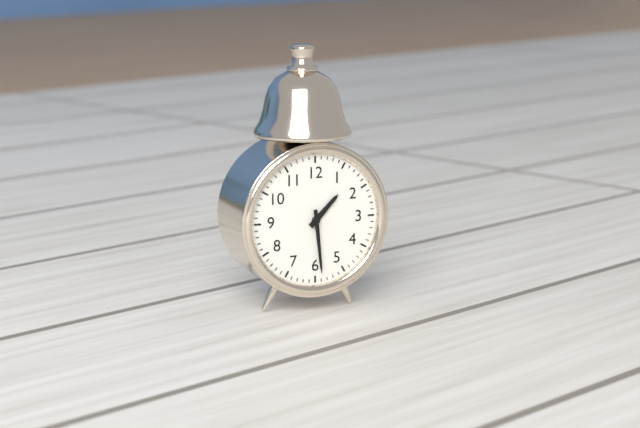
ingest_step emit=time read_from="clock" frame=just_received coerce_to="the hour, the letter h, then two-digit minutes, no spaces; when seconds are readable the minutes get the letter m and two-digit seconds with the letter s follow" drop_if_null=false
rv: 1h29
